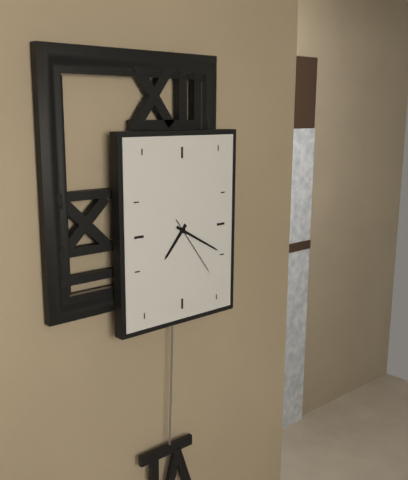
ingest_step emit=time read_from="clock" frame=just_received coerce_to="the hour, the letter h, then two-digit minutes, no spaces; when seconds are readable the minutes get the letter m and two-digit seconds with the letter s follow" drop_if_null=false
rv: 7h20m24s
